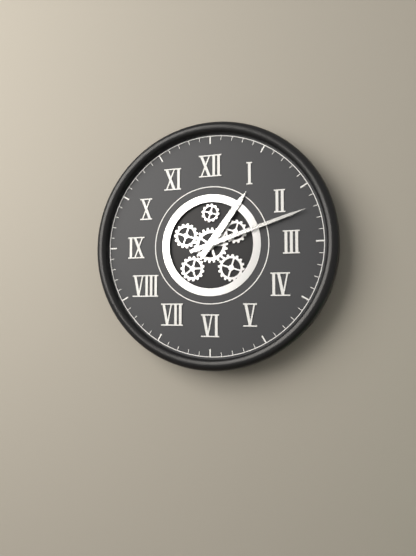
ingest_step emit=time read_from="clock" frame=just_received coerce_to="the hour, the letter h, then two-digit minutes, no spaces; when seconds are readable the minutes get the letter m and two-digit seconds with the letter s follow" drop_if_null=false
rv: 1h12
